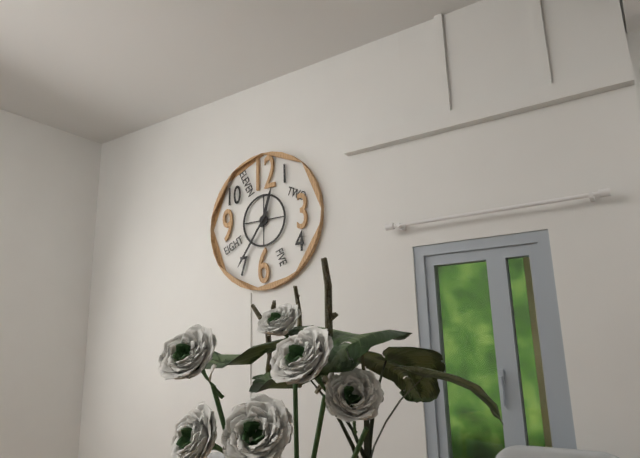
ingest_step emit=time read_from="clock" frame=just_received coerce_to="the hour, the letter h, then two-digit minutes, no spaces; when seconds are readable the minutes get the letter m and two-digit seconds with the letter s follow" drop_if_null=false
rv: 12h36
